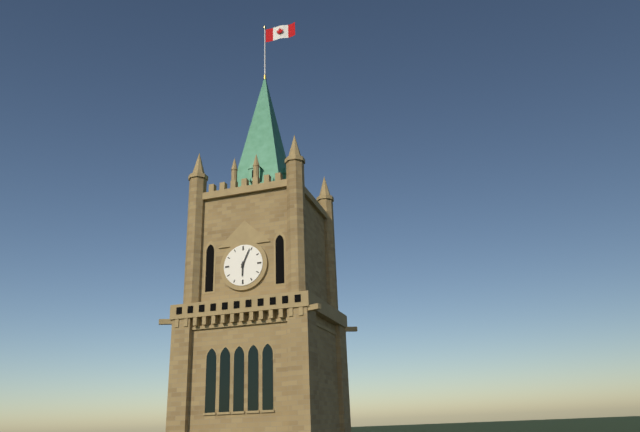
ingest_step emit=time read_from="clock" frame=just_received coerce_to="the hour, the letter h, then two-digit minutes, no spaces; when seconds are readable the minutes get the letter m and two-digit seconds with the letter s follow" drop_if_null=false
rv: 6h04
